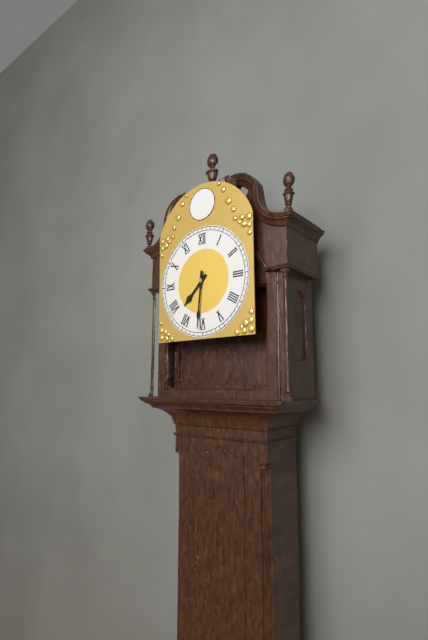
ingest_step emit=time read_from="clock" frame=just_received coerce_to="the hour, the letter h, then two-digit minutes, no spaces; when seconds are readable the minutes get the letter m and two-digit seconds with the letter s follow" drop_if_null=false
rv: 7h31
